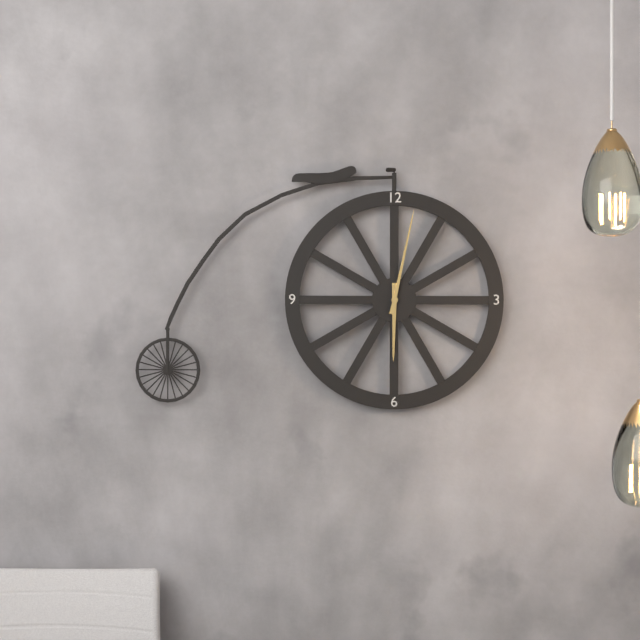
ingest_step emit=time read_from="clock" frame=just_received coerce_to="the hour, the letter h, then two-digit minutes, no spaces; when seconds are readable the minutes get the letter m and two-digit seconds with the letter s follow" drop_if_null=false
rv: 6h02
